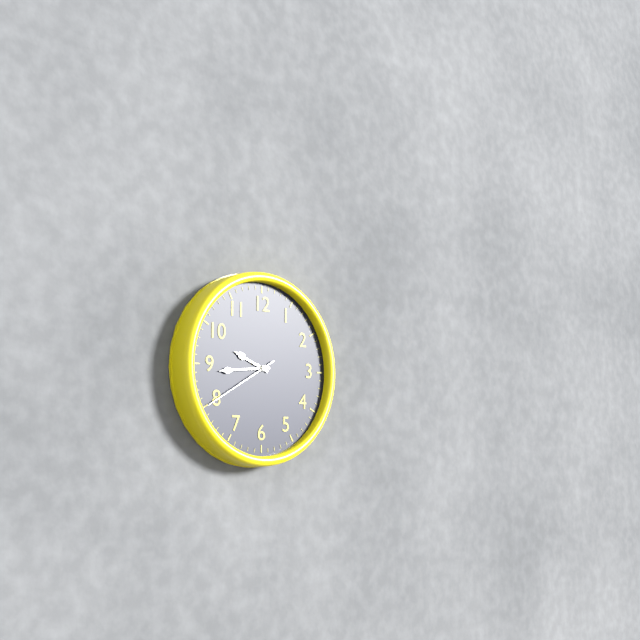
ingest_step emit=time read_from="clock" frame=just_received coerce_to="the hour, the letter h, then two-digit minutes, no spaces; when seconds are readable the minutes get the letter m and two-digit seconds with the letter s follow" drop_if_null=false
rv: 9h44m40s
